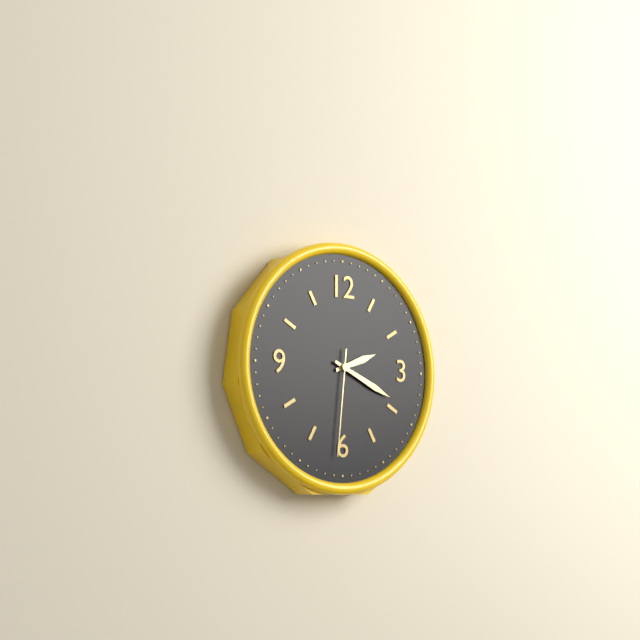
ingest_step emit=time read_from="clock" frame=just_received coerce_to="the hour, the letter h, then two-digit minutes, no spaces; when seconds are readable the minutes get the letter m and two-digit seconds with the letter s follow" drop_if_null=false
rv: 2h19m31s
